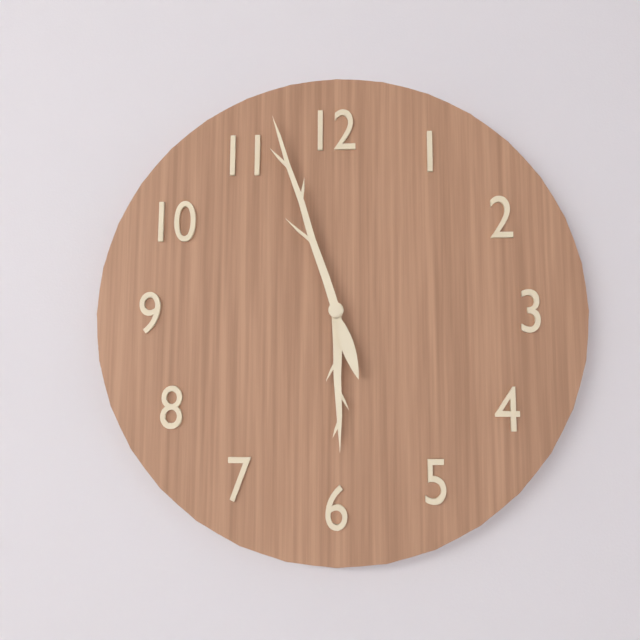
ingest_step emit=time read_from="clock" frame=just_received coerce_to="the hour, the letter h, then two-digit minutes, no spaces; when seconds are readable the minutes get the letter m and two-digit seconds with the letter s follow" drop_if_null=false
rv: 5h57
